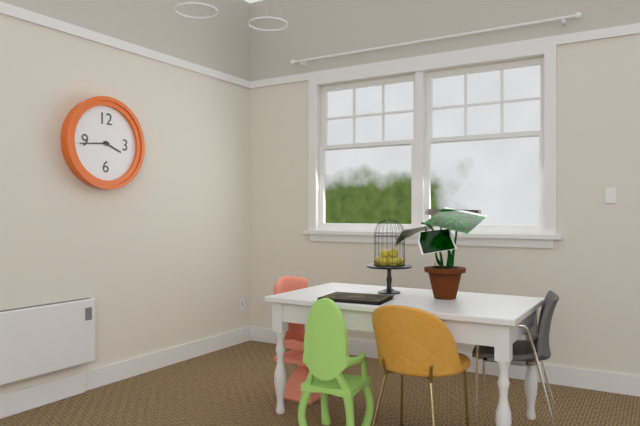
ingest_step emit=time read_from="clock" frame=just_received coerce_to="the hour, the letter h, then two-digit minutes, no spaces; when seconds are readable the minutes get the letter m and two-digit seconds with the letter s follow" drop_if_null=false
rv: 3h44
